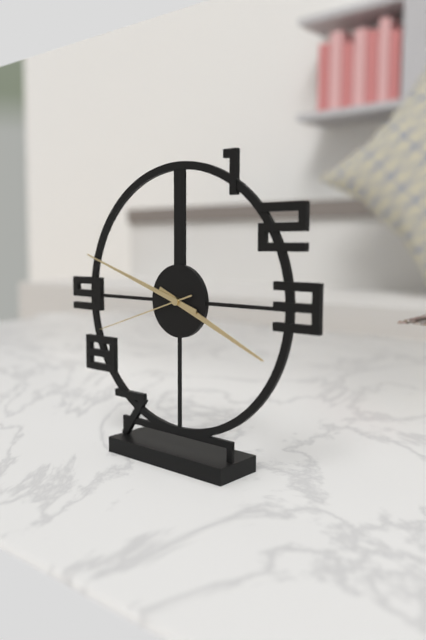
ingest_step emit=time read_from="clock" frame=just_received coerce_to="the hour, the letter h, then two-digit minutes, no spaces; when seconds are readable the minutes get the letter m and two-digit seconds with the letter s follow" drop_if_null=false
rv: 3h48m42s
